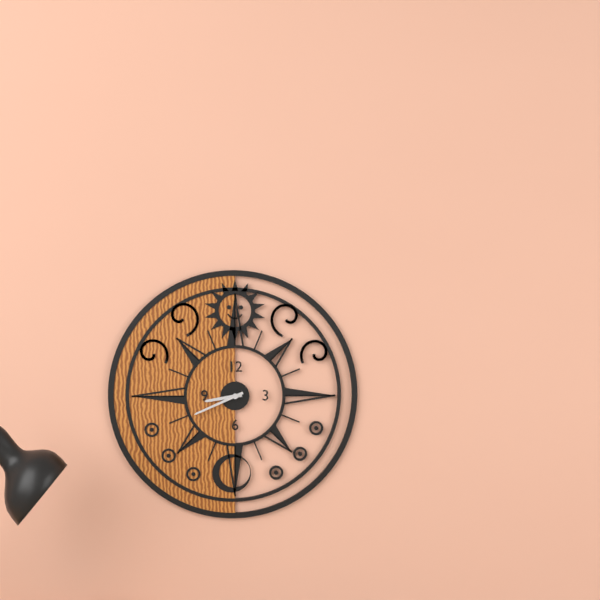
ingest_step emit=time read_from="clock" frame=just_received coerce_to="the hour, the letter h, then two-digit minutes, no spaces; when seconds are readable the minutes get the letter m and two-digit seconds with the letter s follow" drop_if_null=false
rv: 8h41
